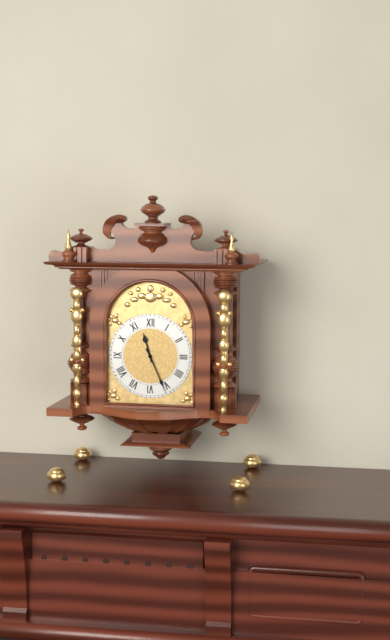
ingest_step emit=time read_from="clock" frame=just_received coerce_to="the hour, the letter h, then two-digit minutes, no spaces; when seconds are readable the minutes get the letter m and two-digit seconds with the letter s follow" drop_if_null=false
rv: 11h26
